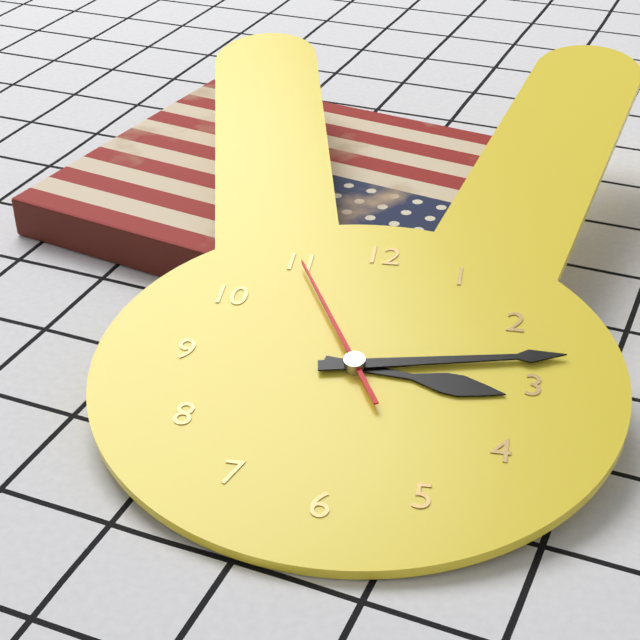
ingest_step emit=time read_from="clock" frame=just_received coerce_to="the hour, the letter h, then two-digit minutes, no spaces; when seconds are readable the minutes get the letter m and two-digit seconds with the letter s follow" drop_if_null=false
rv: 3h13m55s
